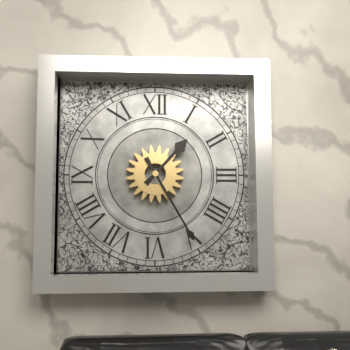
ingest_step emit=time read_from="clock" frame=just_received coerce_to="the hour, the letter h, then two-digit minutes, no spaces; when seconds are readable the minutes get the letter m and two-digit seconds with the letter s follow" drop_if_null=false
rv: 1h25
